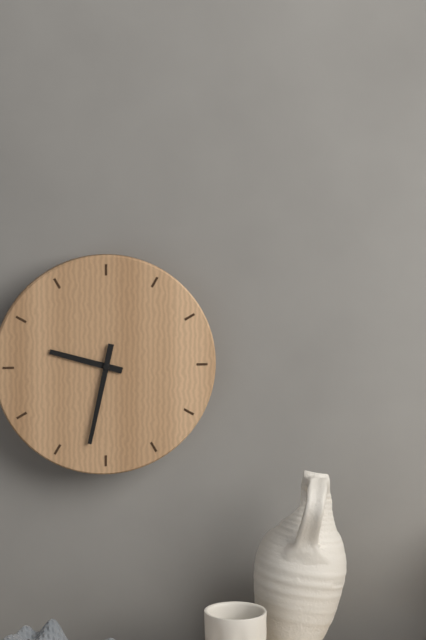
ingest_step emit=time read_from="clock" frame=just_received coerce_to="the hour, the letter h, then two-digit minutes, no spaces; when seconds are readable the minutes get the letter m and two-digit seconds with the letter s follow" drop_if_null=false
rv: 9h32
